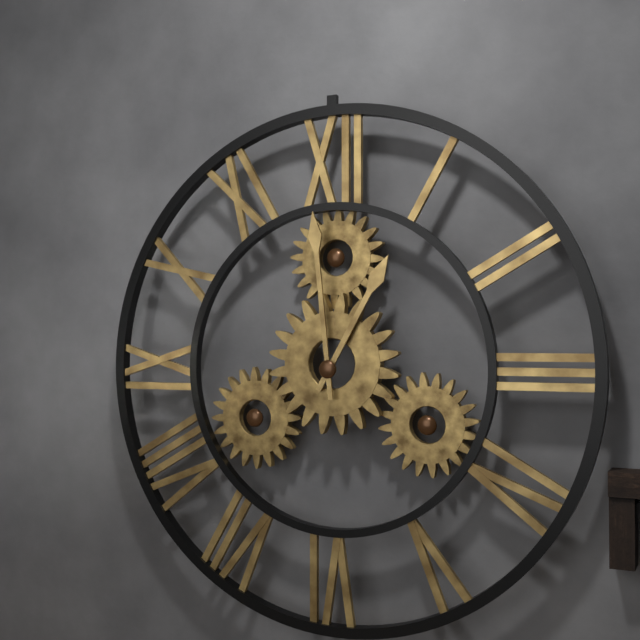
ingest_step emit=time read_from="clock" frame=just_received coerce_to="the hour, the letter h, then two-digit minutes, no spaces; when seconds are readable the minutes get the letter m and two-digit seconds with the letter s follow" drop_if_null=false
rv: 12h59
